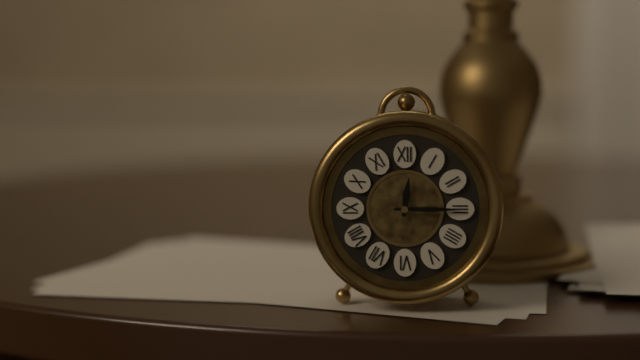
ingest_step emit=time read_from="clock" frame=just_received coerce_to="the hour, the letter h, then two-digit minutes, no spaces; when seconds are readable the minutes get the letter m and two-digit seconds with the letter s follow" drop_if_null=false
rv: 12h15
